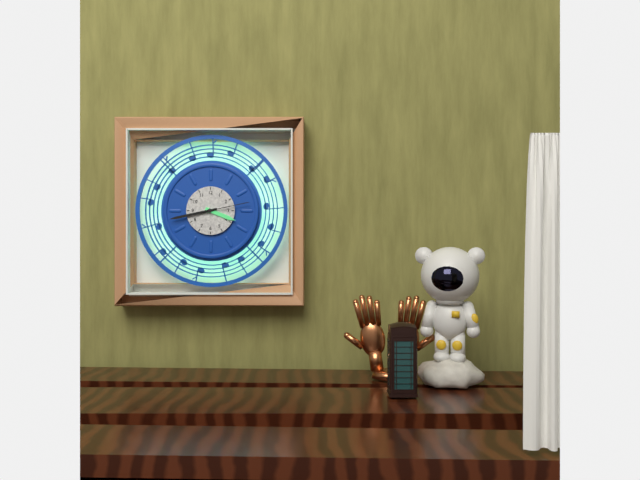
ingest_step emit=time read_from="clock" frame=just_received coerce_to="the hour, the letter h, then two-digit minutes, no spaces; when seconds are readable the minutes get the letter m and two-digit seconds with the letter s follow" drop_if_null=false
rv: 3h43
